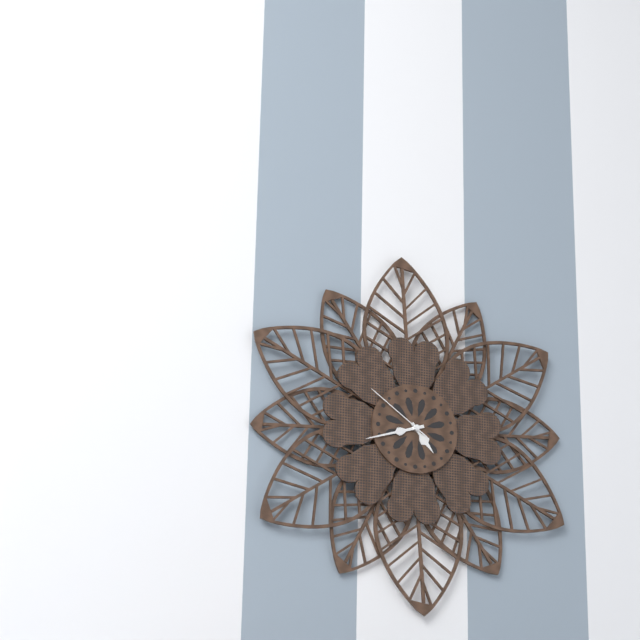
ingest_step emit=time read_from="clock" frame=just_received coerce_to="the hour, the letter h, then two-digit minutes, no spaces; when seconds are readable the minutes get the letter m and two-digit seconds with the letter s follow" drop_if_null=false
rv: 4h42m51s
